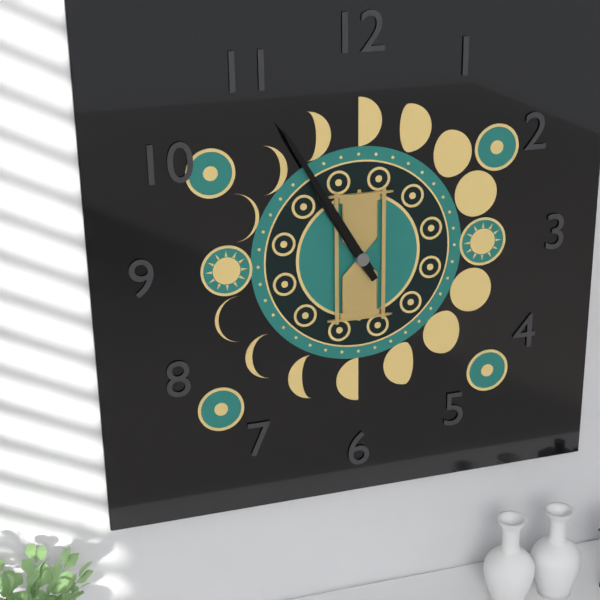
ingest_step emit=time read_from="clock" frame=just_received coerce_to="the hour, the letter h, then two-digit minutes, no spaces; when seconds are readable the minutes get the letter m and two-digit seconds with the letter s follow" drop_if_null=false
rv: 10h55
